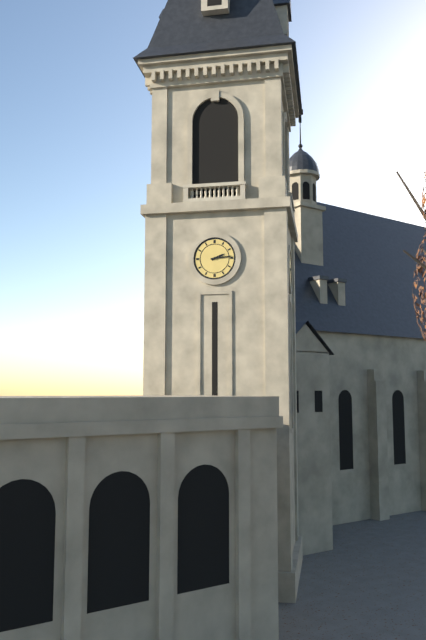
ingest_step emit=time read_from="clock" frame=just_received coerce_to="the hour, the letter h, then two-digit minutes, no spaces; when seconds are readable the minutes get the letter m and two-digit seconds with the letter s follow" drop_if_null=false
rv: 2h14
